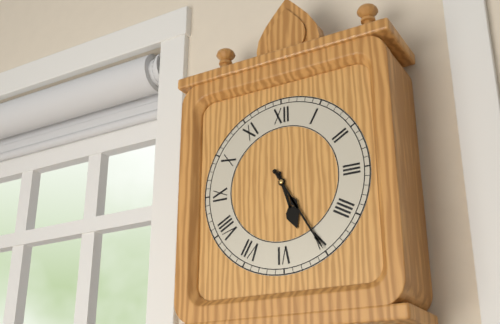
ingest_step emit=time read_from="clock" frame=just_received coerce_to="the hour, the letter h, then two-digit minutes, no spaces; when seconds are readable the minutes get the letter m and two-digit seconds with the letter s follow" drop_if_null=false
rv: 5h25
